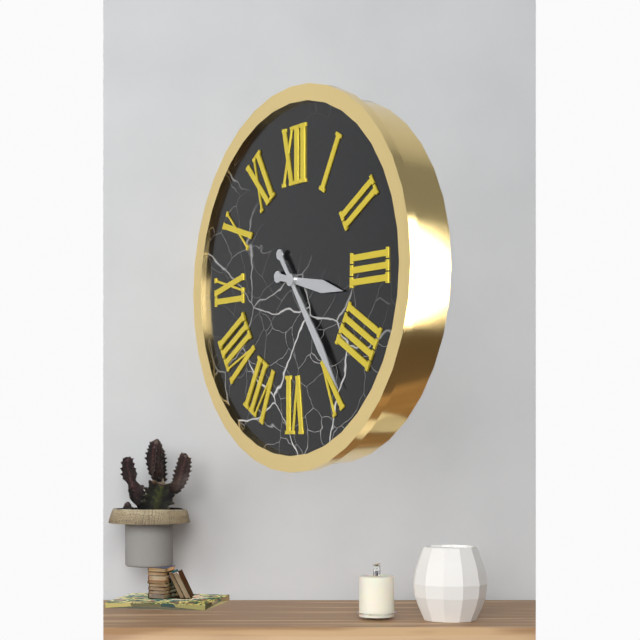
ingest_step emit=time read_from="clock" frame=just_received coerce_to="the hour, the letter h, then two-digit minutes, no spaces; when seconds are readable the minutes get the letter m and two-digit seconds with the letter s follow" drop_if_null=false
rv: 3h24
